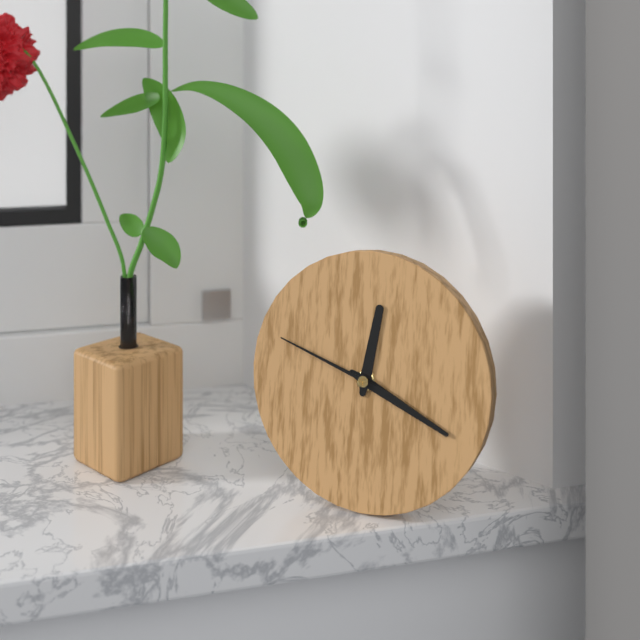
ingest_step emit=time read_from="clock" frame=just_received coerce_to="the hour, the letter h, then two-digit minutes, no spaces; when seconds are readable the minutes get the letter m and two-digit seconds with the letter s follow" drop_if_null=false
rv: 12h19m48s
